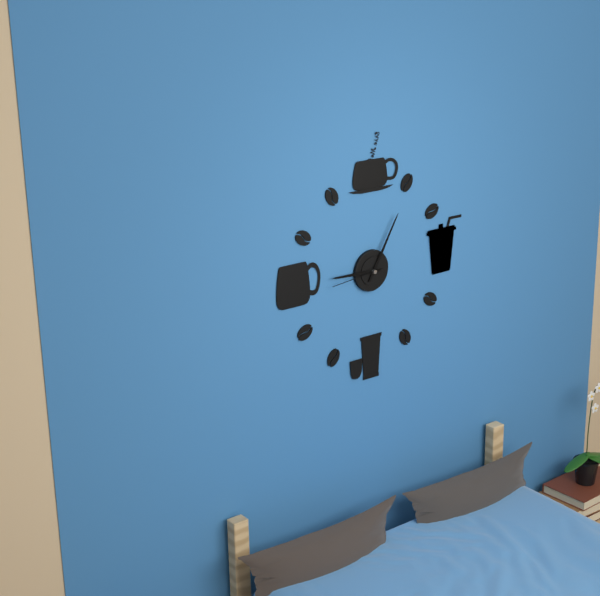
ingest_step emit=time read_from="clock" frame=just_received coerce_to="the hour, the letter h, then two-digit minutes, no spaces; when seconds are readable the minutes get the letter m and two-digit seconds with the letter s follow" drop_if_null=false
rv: 9h05m44s
